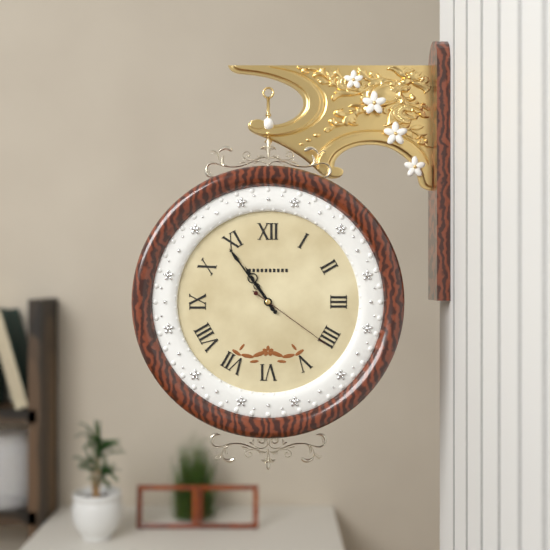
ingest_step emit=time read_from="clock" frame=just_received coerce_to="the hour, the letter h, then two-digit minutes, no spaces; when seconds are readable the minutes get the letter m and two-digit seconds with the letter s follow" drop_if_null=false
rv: 10h54m21s
